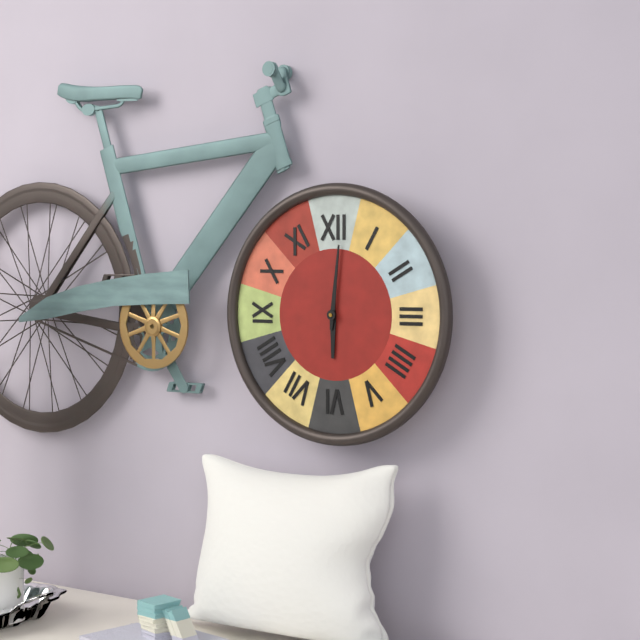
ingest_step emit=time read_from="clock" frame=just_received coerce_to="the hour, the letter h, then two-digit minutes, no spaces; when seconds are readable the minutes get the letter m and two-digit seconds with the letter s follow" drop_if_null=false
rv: 6h01
